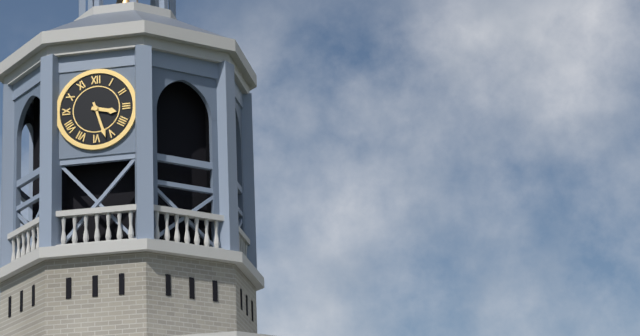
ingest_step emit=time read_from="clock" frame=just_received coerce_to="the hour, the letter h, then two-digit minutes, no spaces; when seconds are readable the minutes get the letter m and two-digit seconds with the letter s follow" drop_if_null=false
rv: 3h27
